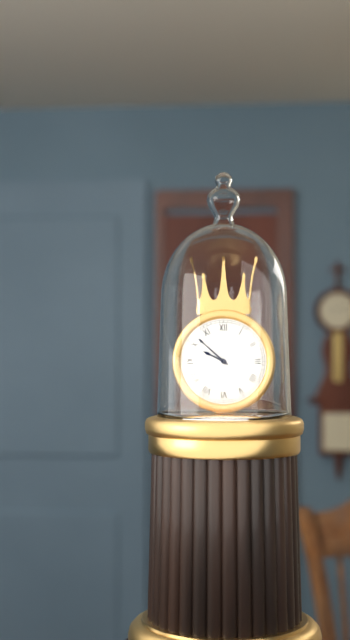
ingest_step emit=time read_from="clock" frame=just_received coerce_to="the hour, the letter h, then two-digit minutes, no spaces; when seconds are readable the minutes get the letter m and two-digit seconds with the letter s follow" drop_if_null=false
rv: 9h52
